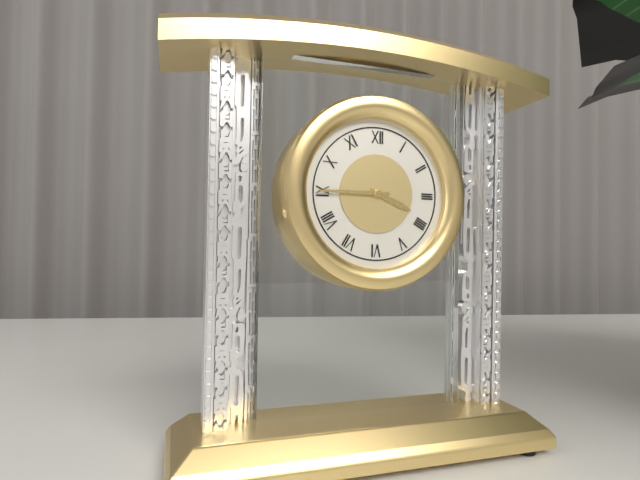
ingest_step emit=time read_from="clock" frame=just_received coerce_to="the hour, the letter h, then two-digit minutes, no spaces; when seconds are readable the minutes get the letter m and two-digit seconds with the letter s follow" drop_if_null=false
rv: 3h45
